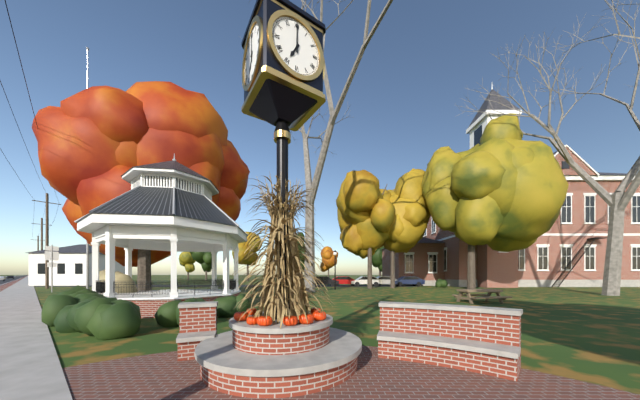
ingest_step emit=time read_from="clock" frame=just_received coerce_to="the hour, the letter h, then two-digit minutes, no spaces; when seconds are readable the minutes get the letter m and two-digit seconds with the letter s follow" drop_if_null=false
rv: 7h00
